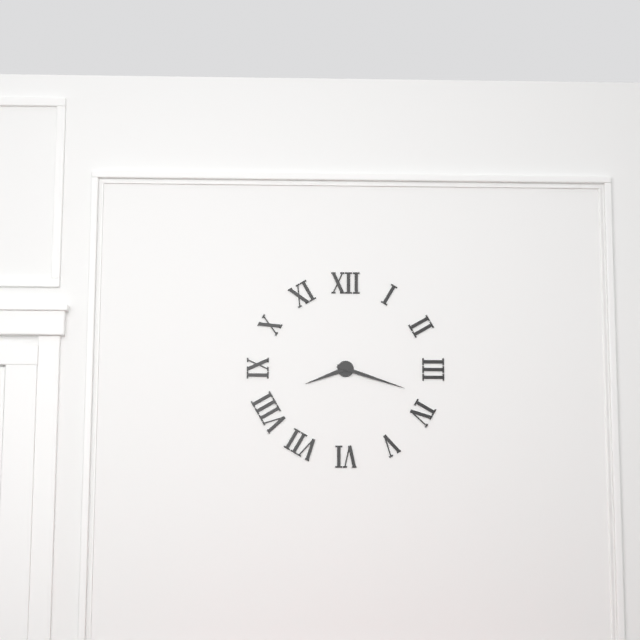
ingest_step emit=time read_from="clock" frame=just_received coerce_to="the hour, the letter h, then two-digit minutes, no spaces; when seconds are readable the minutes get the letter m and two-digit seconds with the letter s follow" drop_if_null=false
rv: 8h18
